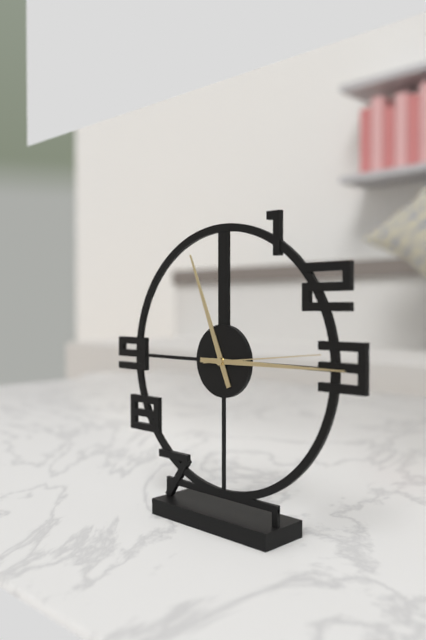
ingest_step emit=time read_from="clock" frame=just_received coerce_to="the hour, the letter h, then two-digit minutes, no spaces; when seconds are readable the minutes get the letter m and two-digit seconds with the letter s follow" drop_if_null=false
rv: 11h15m14s
